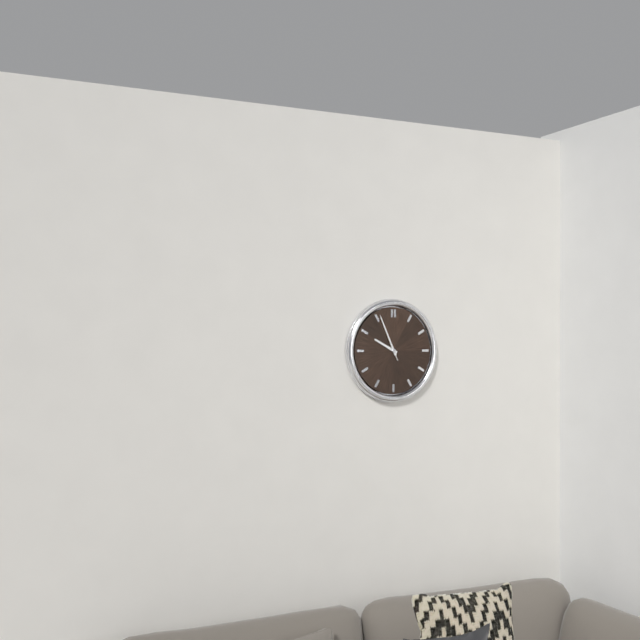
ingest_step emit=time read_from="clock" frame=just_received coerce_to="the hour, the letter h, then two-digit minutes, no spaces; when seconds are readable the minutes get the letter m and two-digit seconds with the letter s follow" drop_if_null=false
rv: 9h56
